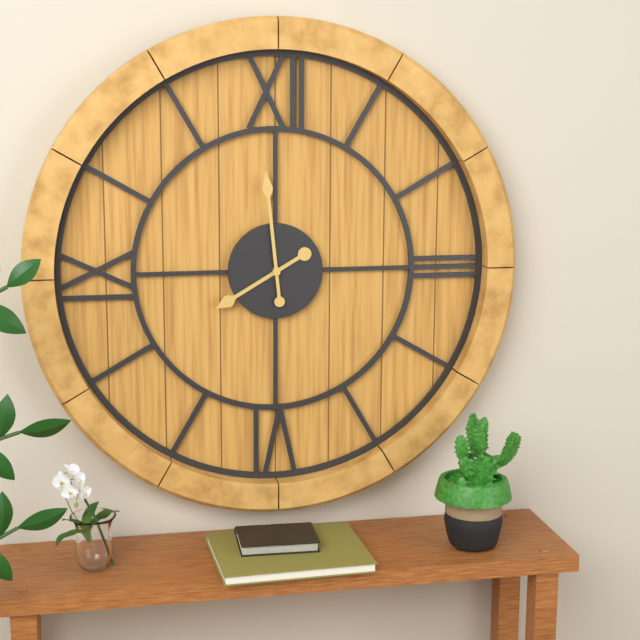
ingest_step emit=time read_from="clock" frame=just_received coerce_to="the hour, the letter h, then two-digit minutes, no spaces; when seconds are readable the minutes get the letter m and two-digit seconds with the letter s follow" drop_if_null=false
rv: 7h59
